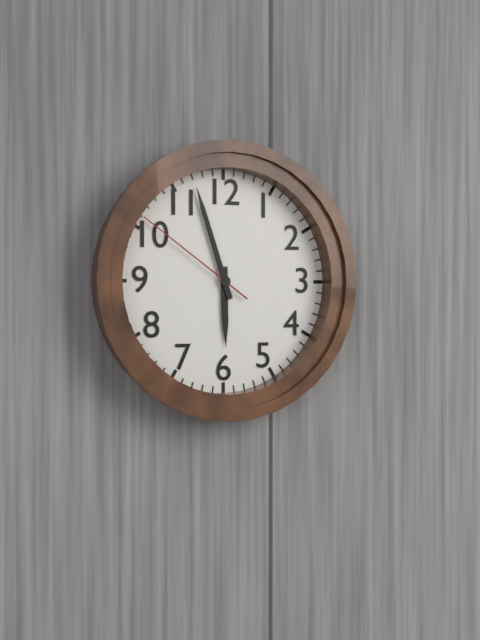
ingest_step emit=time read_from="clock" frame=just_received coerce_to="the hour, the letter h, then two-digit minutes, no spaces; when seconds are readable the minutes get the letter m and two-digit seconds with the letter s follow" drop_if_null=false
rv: 5h57m51s
